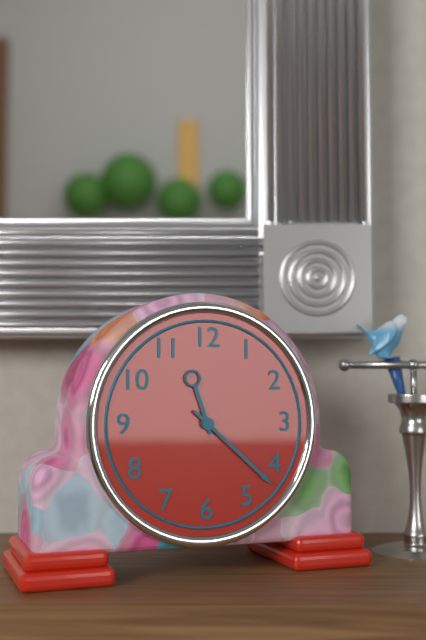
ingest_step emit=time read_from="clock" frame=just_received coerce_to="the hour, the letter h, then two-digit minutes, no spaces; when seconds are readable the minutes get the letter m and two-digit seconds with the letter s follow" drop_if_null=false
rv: 11h22
